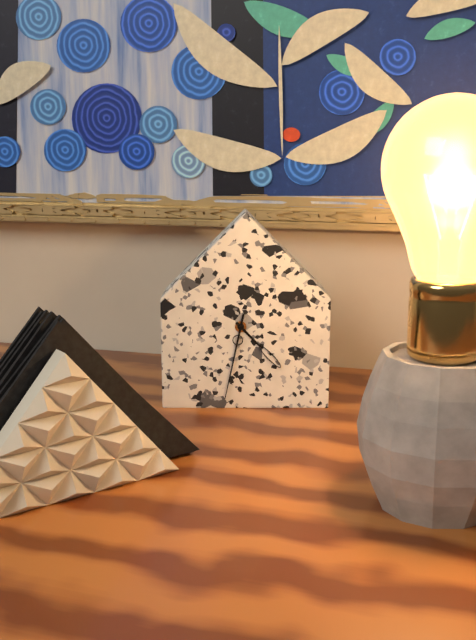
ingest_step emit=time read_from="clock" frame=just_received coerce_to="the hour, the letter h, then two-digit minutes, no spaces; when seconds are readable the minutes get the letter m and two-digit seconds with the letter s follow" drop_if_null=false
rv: 4h32
